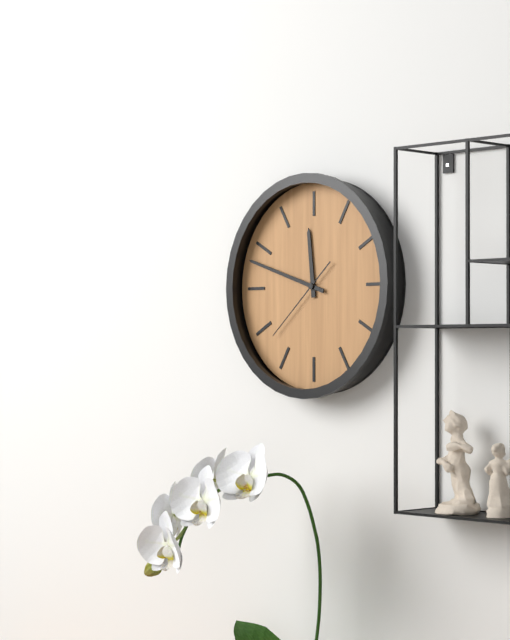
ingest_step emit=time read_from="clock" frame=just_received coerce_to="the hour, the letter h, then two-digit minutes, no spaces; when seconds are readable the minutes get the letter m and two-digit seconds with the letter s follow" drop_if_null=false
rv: 11h48m38s
